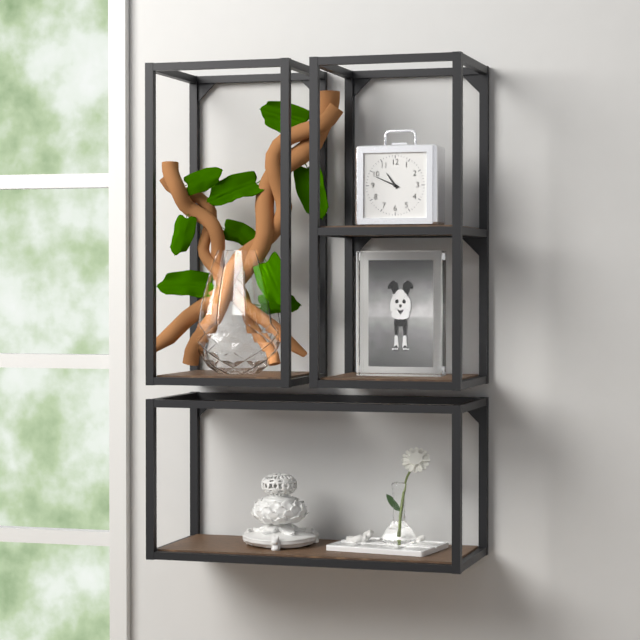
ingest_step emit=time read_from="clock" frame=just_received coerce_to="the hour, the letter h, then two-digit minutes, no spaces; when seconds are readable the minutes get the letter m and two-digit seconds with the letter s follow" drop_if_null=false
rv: 10h49
